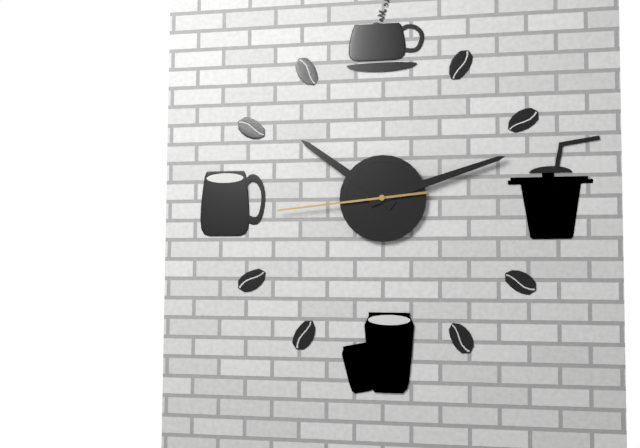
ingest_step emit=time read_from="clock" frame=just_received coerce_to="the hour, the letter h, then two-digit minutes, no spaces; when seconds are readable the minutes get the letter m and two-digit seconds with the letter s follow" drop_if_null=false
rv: 10h12m44s
